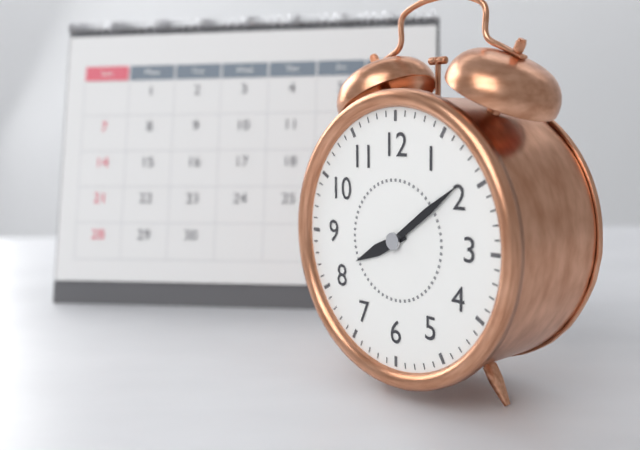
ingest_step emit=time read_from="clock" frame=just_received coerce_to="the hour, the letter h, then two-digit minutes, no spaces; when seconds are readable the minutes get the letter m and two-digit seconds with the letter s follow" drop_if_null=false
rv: 8h09
